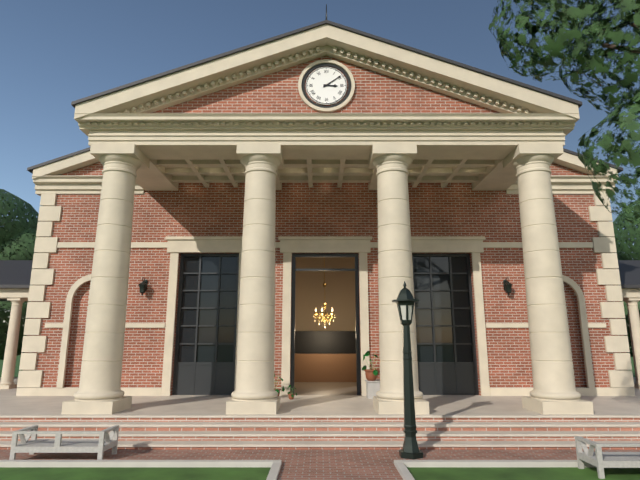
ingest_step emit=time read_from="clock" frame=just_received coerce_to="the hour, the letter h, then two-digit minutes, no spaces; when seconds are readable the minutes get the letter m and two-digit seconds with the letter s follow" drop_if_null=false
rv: 3h09
